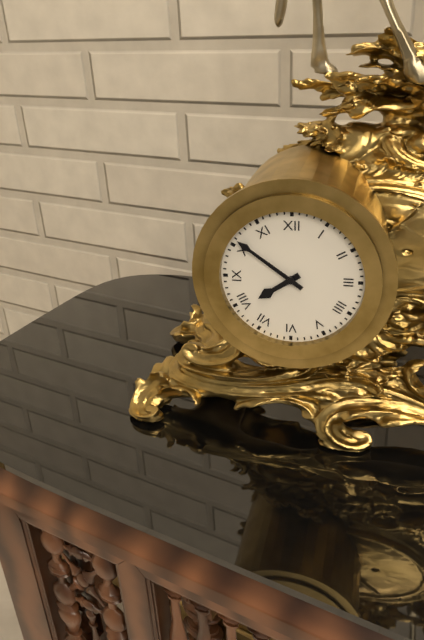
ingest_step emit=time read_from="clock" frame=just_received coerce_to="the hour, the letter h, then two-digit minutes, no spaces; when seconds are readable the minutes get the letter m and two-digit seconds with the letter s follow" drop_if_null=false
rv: 7h51
